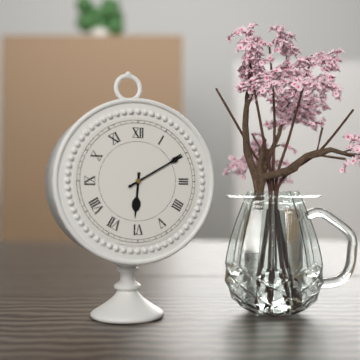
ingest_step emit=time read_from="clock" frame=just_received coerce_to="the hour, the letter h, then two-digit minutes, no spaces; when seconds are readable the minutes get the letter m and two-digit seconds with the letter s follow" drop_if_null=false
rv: 6h10
